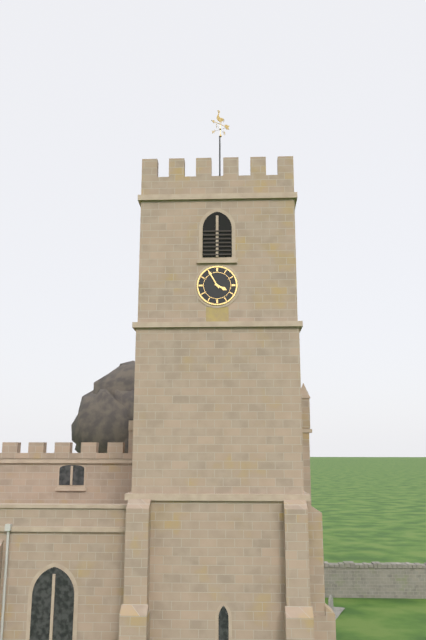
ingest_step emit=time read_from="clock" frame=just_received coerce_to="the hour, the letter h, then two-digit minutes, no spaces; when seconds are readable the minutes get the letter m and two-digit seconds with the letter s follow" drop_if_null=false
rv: 3h55
